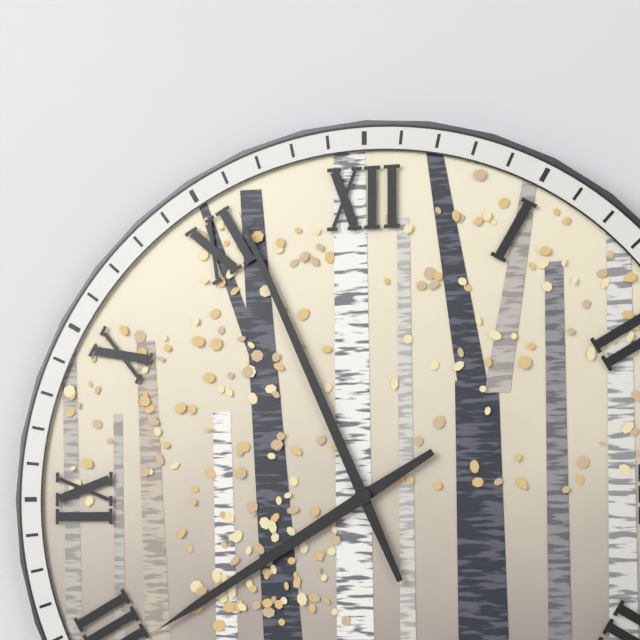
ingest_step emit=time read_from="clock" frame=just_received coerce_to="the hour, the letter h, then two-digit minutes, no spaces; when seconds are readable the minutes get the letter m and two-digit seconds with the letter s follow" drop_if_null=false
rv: 7h56
